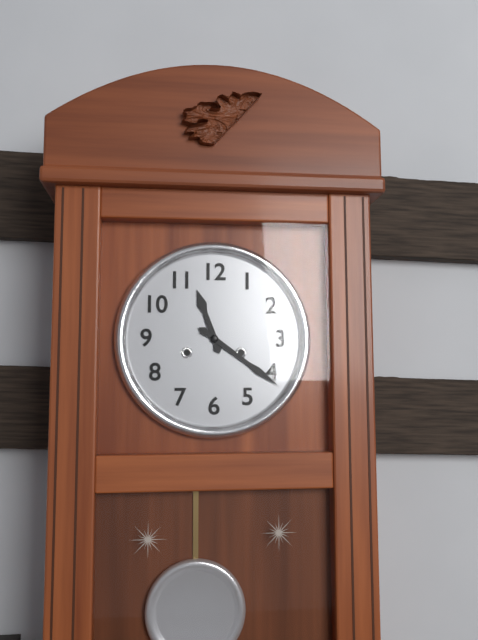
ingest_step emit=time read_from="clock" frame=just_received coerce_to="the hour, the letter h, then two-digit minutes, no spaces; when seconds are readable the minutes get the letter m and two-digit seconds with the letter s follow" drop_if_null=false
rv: 11h21
